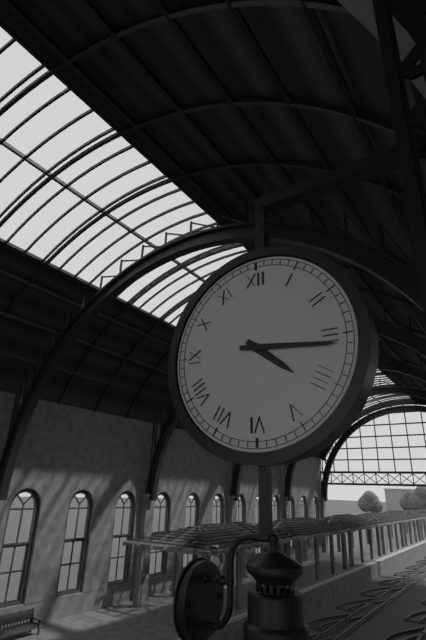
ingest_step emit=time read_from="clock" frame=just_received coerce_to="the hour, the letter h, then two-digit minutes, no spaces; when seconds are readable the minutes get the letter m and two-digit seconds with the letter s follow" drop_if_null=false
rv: 4h16
